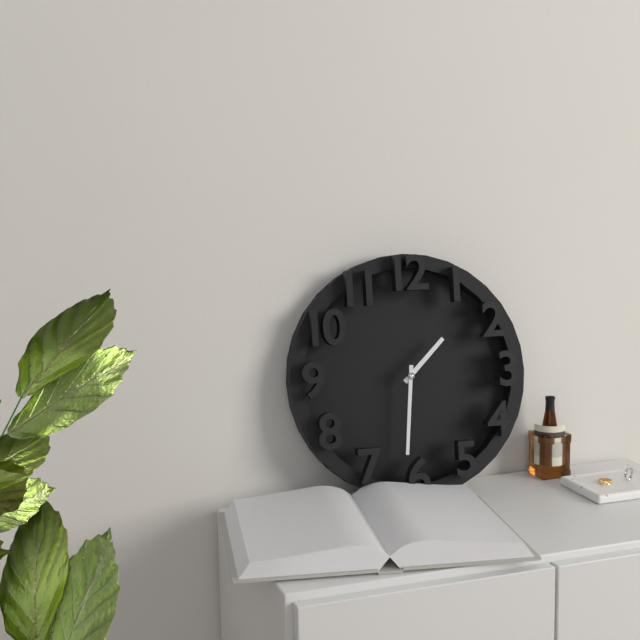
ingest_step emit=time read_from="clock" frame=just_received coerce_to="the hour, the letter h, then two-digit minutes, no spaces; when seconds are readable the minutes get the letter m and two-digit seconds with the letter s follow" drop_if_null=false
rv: 1h31
